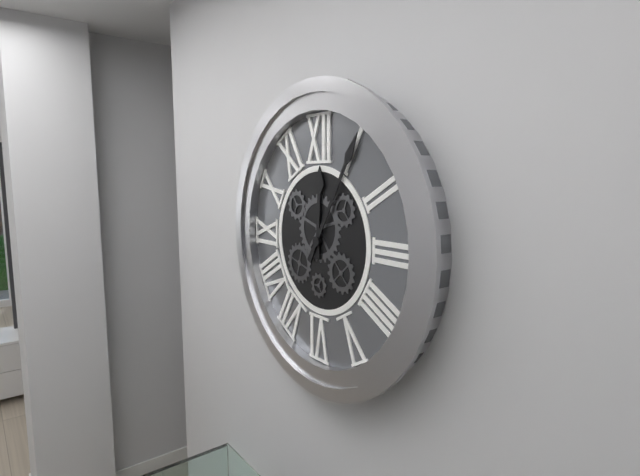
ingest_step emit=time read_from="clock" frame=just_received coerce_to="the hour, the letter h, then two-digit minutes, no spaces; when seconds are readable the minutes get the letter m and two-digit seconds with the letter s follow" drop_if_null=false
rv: 12h05
